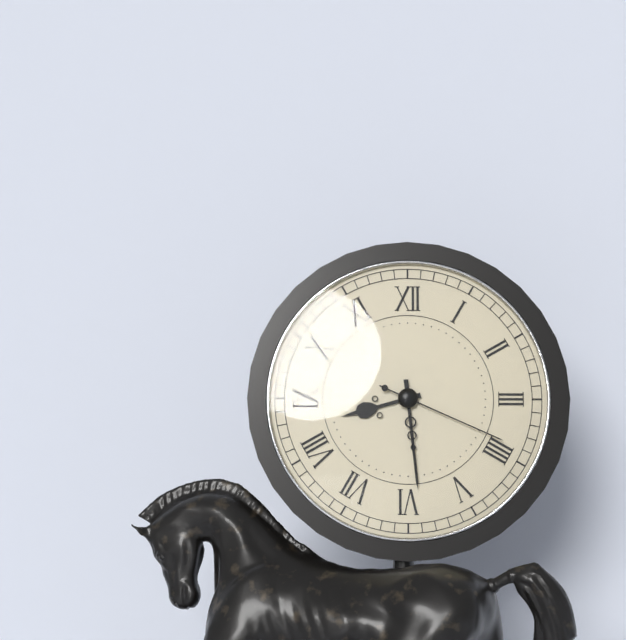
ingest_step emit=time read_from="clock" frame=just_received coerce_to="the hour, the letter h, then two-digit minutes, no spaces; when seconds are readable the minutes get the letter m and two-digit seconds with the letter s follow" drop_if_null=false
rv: 8h29m19s
